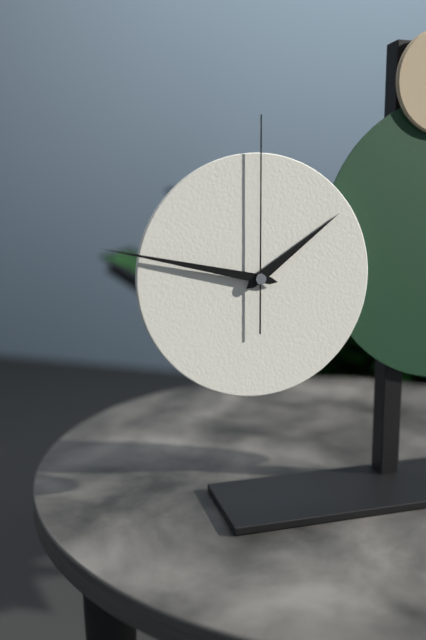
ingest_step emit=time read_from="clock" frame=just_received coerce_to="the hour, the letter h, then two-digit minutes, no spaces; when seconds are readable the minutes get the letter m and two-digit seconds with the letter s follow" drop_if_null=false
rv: 1h47m00s
